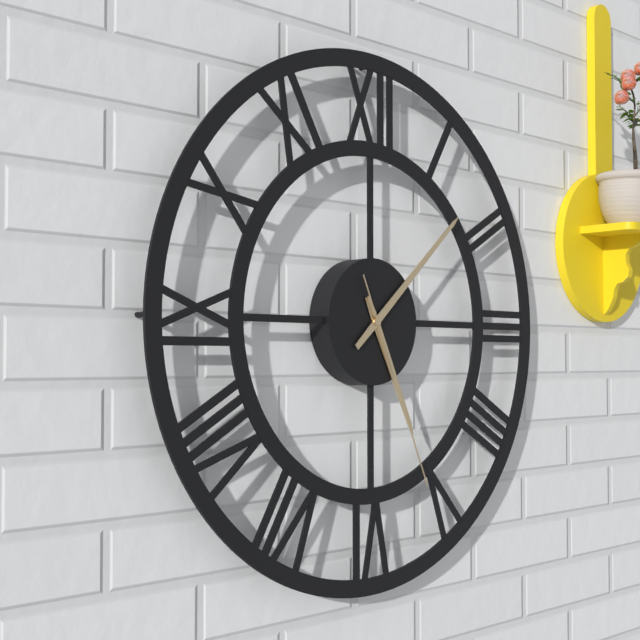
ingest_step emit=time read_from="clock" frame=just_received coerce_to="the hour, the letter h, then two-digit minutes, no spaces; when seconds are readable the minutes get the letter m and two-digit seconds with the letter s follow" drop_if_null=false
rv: 5h08m26s
